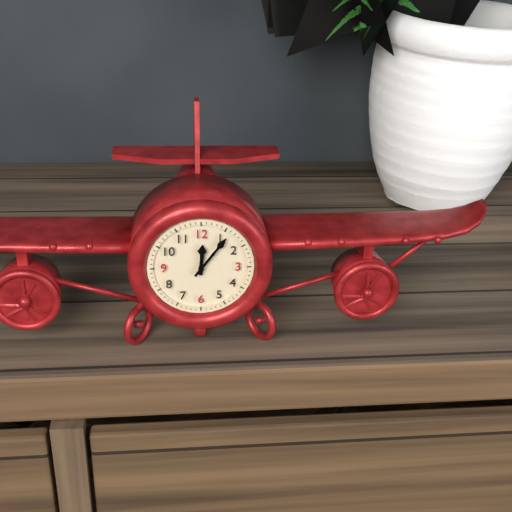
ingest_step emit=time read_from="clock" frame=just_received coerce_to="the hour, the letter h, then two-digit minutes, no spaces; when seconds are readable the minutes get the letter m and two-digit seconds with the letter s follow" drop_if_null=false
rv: 12h06
